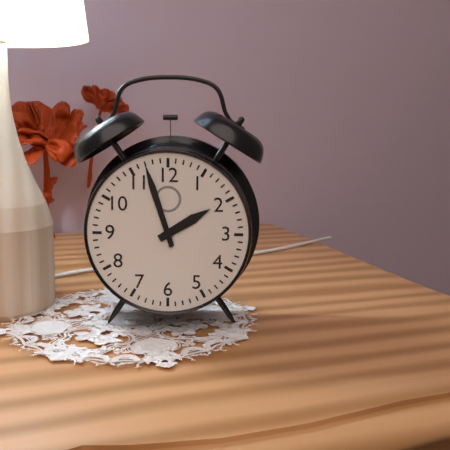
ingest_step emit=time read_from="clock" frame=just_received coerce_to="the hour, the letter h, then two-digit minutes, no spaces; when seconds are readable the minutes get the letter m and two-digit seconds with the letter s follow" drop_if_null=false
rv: 1h57
